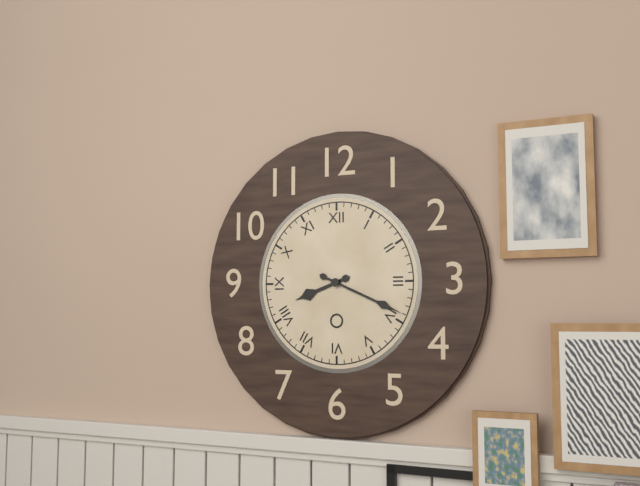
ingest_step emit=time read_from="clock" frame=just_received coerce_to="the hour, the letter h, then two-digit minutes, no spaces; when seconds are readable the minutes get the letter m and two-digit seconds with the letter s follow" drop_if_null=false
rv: 8h19
